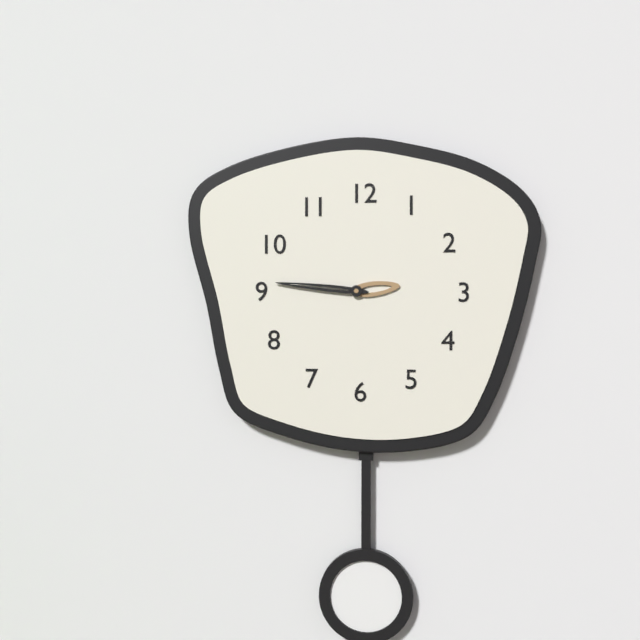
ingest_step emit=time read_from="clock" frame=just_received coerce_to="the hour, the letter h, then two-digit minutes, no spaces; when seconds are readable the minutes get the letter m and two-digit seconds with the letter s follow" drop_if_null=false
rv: 2h46
